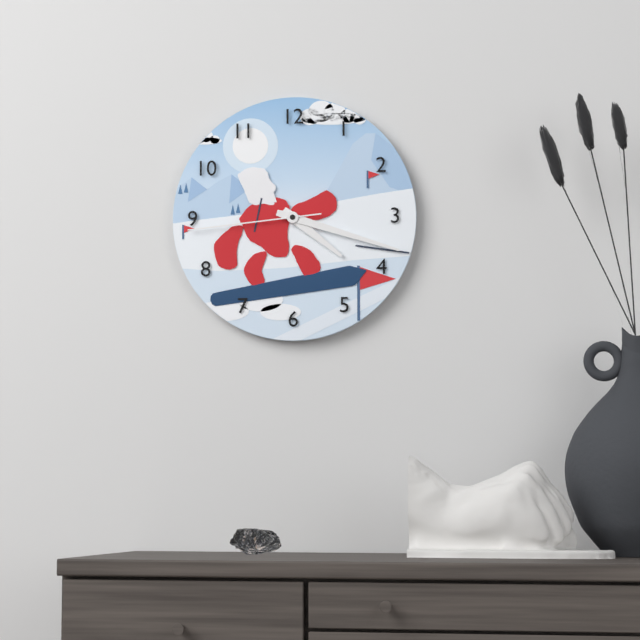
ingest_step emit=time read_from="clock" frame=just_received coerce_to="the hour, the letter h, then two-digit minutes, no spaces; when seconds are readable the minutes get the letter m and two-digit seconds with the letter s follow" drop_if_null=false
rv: 4h18m44s
